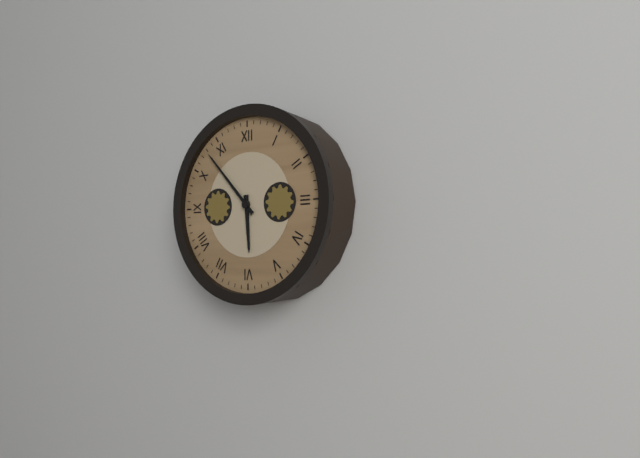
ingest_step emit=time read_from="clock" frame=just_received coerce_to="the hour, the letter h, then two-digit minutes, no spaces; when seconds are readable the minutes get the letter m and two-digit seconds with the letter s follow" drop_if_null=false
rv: 5h53
